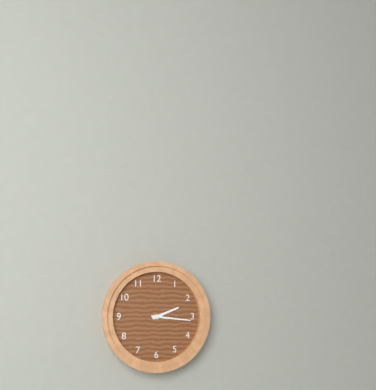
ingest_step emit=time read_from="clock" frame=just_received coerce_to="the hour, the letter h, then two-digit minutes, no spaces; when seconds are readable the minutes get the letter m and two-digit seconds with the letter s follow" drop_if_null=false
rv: 2h16
